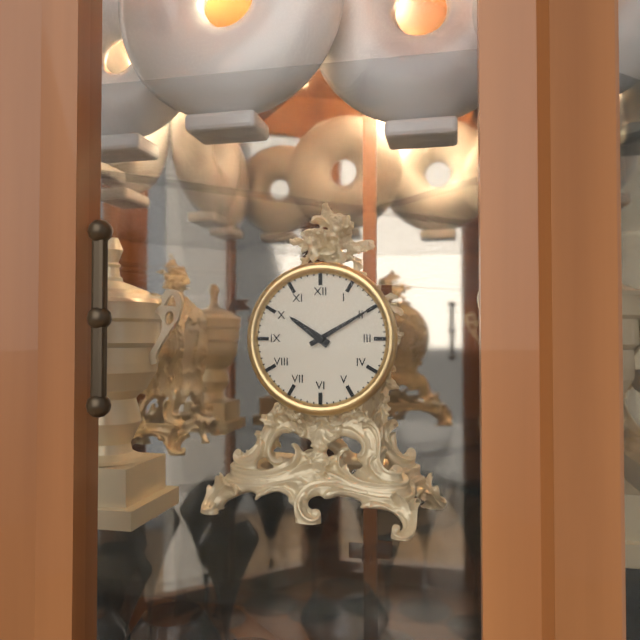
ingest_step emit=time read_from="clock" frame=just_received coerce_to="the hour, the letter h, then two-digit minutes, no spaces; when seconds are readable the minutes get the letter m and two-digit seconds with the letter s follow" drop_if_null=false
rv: 10h10
